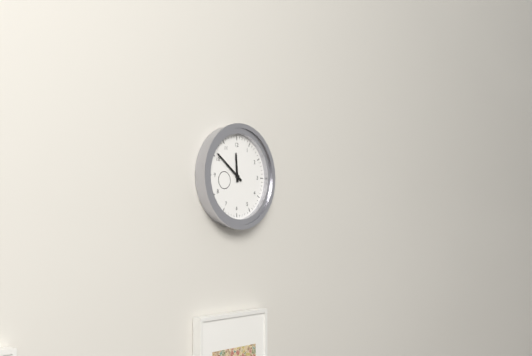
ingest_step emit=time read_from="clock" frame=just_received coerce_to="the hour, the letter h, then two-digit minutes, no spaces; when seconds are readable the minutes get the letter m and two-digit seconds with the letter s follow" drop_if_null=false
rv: 11h51
